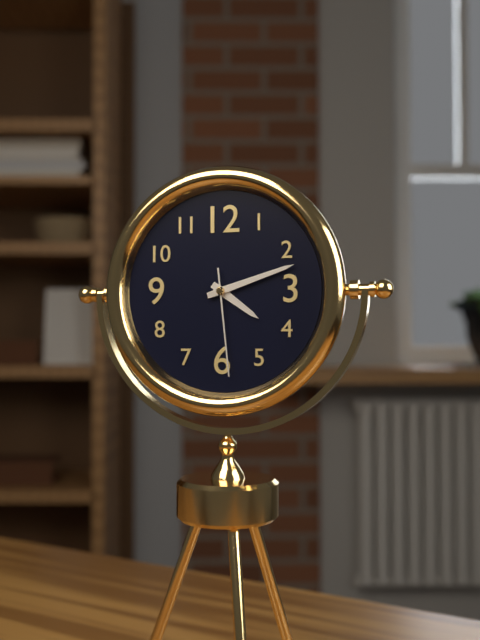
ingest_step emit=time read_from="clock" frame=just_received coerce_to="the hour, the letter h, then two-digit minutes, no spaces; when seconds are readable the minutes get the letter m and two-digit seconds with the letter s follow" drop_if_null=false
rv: 4h12m29s
